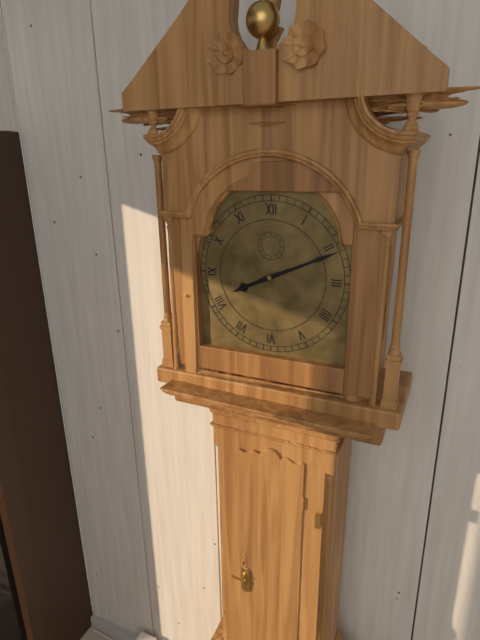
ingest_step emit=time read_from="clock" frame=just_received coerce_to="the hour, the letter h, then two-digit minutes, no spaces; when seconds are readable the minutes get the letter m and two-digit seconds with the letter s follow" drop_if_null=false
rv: 8h11
